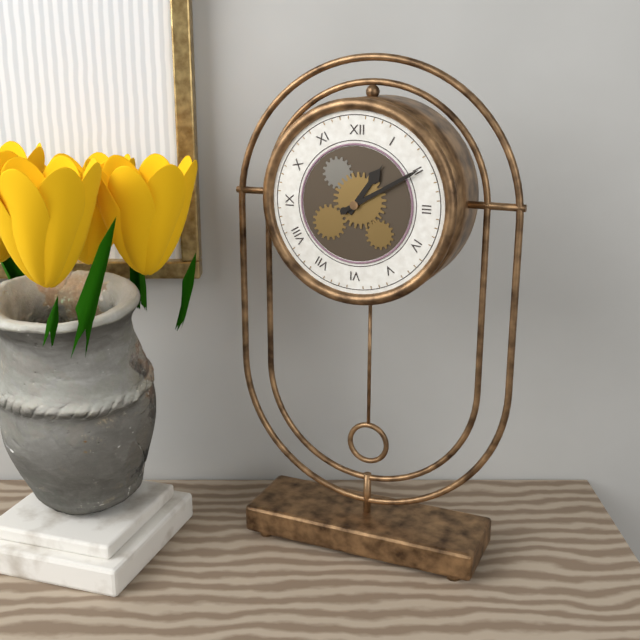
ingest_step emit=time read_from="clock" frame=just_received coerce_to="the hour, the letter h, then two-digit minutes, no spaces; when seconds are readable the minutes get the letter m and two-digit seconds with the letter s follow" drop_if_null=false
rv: 1h10
